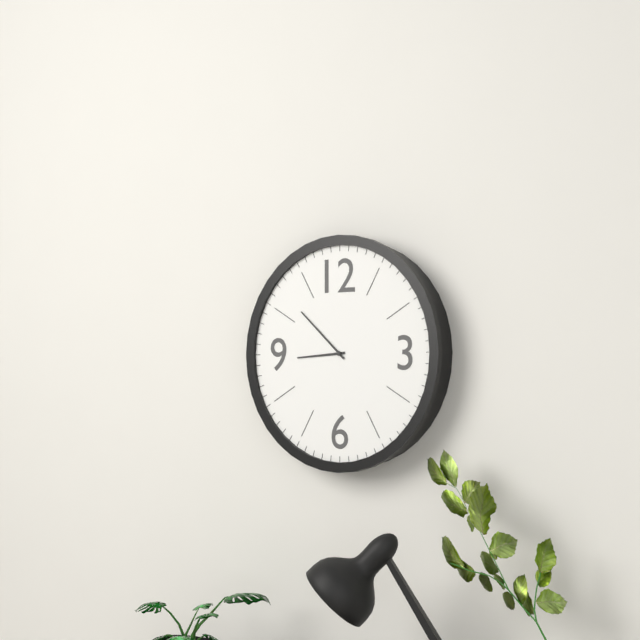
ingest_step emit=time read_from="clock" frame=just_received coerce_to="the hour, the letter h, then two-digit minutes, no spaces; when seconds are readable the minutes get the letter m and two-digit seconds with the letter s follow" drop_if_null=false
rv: 8h52
